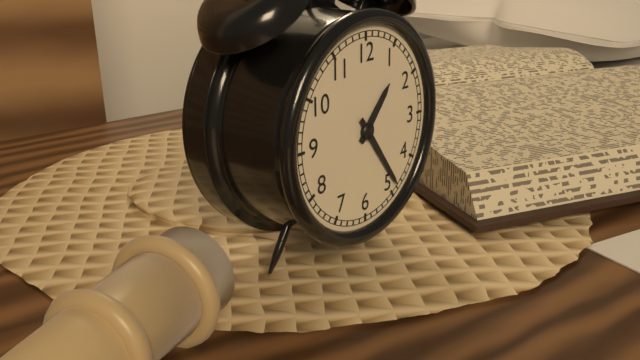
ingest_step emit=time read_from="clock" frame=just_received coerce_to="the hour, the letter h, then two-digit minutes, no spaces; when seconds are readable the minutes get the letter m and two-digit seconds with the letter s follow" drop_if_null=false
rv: 1h24
